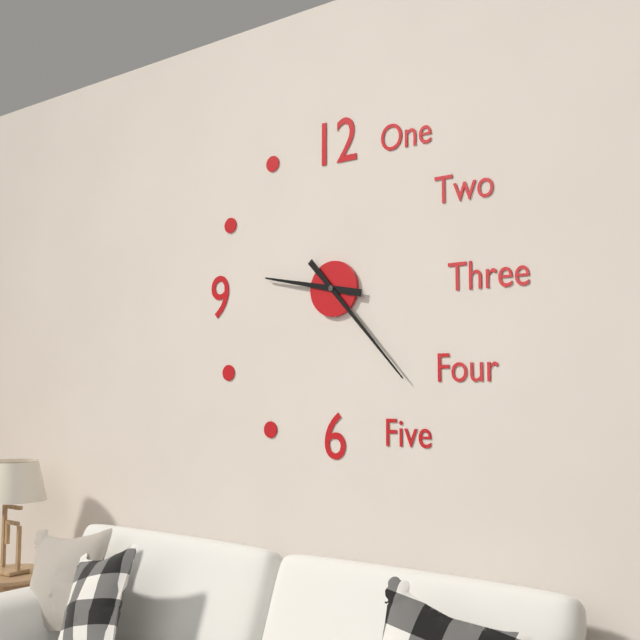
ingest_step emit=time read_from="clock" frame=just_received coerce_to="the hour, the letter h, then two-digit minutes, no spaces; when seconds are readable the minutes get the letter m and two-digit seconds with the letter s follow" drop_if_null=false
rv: 9h23
